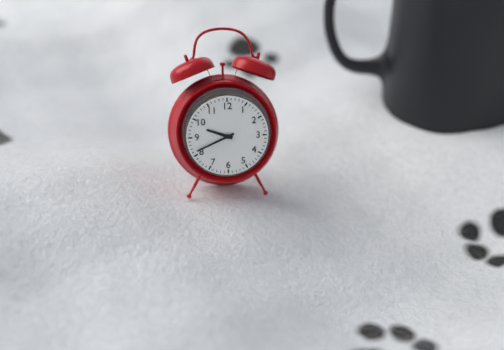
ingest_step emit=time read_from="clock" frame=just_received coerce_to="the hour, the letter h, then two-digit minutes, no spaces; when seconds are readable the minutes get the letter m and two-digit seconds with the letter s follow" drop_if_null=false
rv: 9h41
